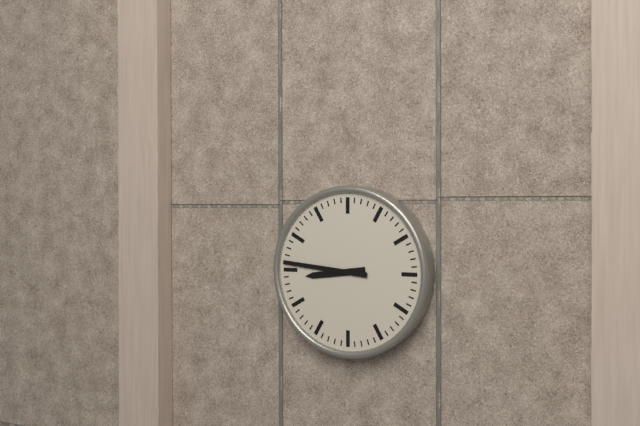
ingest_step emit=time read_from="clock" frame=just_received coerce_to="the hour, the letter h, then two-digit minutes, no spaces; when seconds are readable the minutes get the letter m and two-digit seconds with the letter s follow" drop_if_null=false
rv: 8h46
